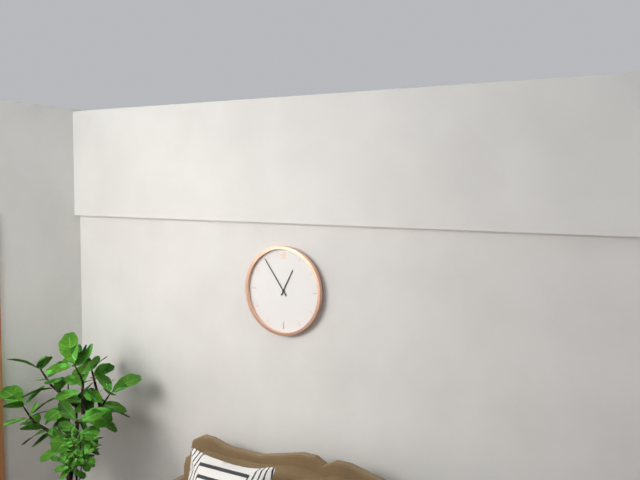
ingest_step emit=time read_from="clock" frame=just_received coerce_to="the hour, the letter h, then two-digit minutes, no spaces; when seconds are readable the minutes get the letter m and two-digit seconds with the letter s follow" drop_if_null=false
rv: 12h54
